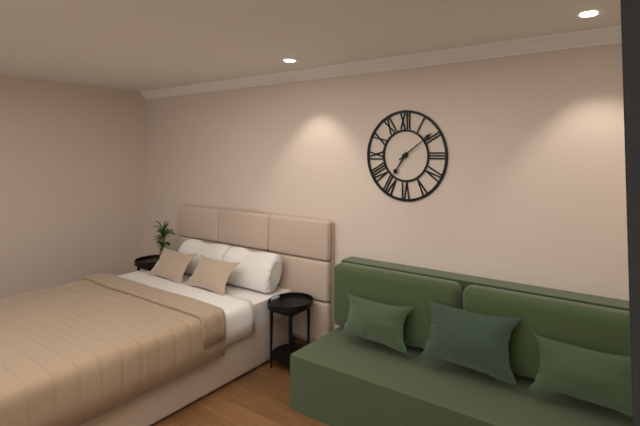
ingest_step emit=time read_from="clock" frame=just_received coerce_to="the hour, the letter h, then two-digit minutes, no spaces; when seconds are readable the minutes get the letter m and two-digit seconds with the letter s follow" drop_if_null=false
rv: 7h09
